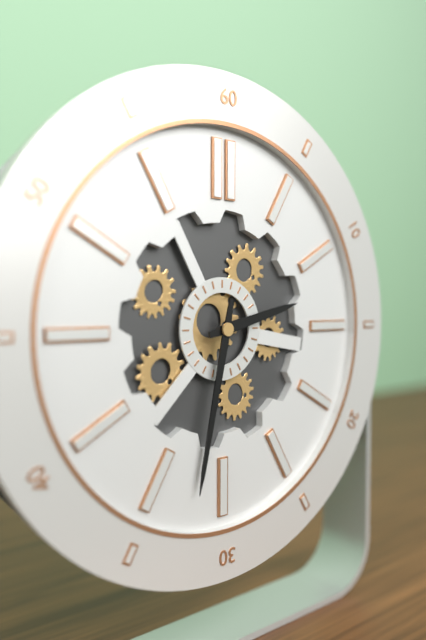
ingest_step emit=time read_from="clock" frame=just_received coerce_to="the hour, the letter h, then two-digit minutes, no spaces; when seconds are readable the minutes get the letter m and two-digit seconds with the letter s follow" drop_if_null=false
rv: 2h32
